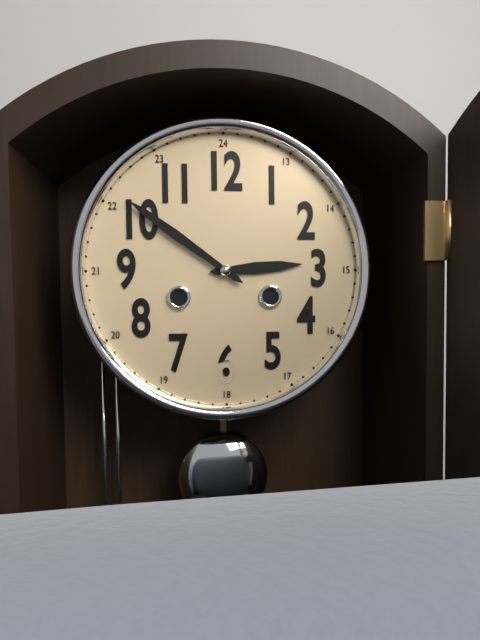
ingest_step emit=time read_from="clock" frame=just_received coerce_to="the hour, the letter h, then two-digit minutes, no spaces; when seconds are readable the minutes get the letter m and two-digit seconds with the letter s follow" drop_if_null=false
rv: 2h51
